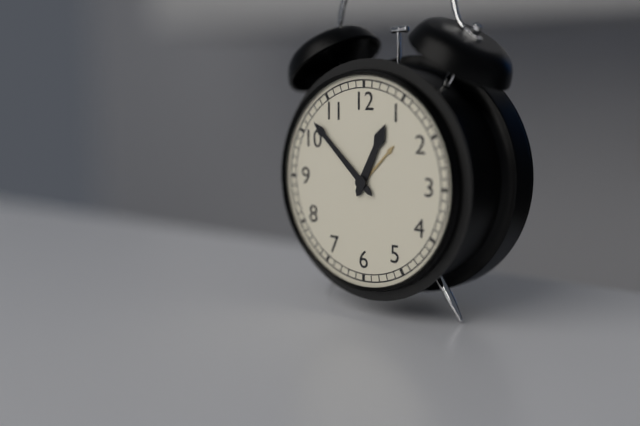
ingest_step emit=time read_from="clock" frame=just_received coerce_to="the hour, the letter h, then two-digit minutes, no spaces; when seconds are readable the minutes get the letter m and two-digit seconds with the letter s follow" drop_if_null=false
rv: 12h52
